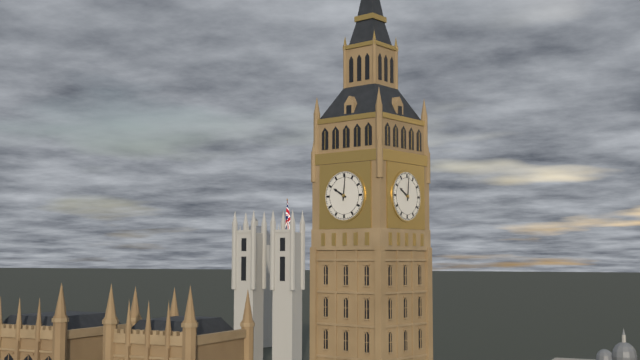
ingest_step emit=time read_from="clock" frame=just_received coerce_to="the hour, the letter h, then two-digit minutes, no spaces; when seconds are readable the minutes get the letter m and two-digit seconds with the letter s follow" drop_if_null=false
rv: 10h01
